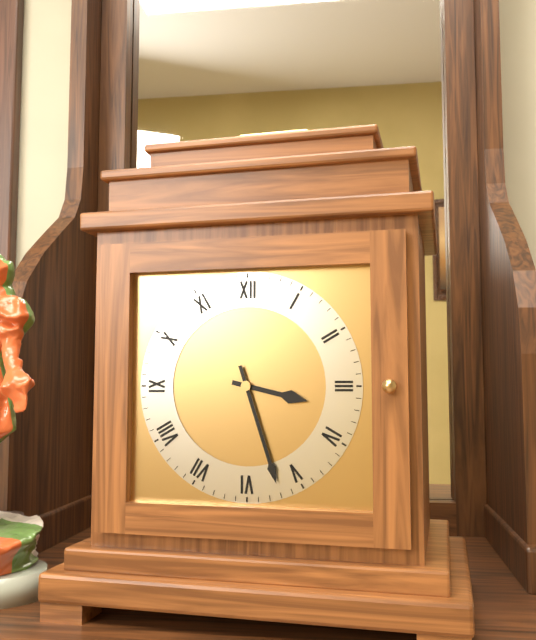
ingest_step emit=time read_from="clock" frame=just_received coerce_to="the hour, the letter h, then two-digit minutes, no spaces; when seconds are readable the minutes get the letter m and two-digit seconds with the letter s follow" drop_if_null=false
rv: 3h27
